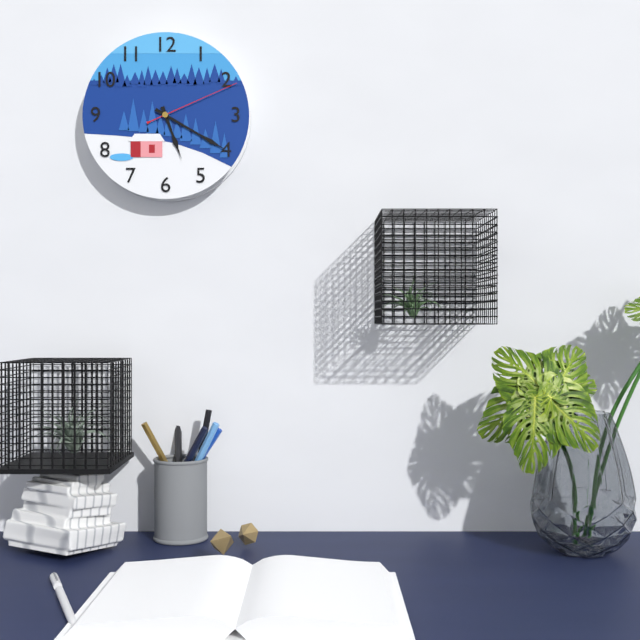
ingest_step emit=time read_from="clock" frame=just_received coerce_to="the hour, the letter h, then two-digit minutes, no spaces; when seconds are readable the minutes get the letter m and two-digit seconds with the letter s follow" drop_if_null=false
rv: 5h20m11s
